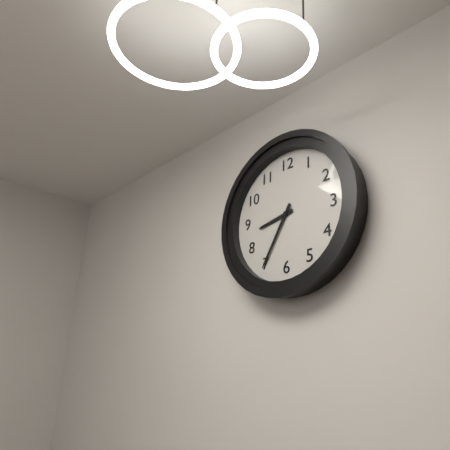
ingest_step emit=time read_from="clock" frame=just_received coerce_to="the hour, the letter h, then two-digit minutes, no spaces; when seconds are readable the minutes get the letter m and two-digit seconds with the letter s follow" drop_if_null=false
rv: 8h35
